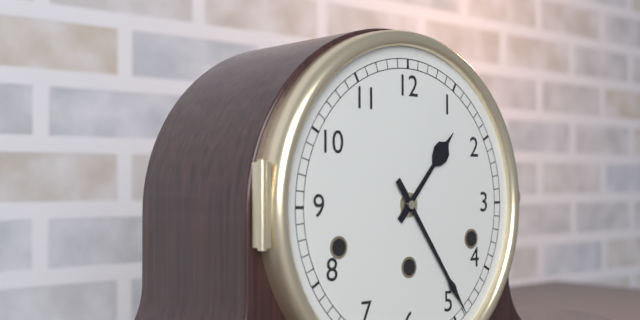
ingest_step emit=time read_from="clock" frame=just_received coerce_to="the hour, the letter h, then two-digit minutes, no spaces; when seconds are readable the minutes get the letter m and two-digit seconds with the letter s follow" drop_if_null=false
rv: 1h24
